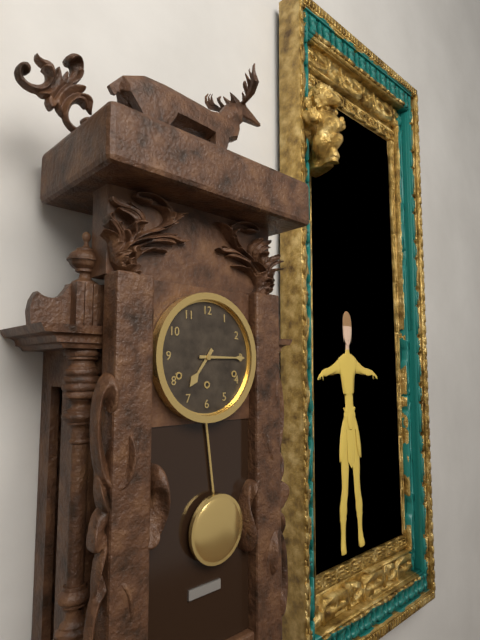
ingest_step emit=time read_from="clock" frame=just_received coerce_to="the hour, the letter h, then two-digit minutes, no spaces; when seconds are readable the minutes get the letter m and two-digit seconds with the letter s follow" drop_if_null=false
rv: 7h15
